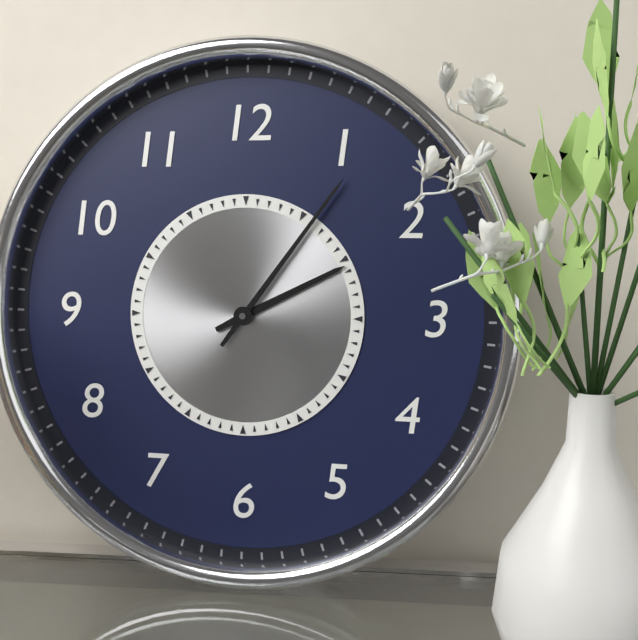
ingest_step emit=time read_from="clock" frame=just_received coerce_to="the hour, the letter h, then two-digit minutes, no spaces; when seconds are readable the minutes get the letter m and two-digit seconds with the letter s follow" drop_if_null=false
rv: 2h06
